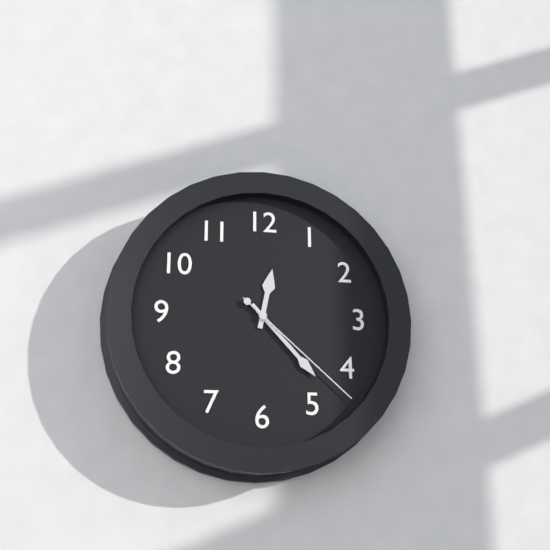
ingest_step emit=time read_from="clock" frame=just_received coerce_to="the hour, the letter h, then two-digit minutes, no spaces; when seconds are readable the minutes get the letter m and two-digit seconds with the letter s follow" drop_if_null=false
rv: 12h23m22s
